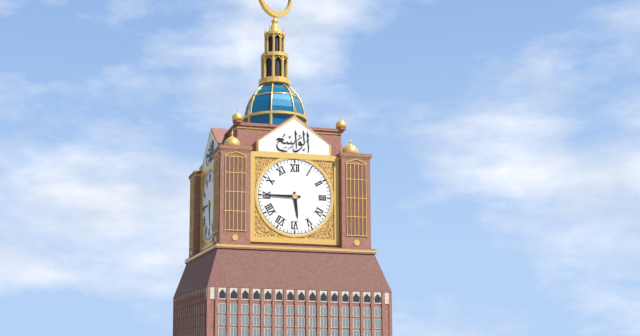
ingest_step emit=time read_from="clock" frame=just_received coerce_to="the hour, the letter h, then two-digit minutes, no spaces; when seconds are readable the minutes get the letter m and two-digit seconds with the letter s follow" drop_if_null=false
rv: 5h45
